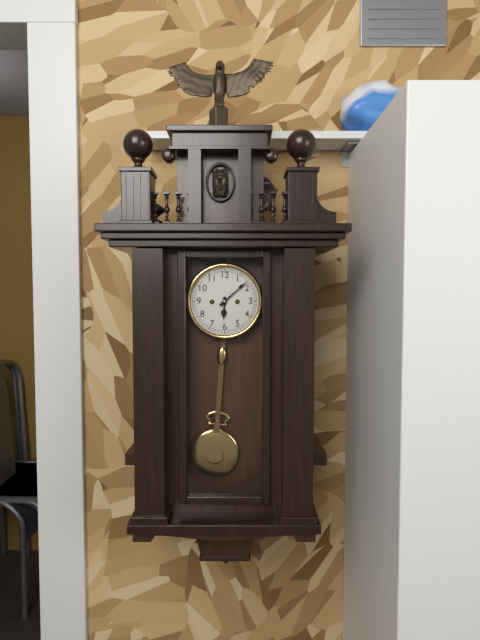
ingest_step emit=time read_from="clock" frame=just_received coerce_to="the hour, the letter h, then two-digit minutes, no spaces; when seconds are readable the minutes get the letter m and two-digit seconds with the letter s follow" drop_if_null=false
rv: 6h08
